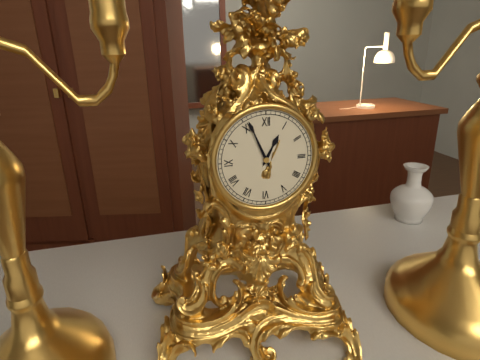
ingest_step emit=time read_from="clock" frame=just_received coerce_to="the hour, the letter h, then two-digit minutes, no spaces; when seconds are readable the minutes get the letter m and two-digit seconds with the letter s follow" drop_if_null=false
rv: 12h56
